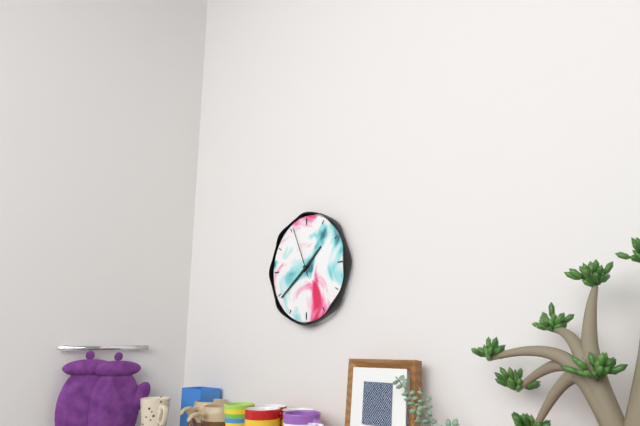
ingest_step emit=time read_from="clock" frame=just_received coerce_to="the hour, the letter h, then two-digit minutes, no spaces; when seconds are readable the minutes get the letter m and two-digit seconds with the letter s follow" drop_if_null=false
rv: 1h39m56s
